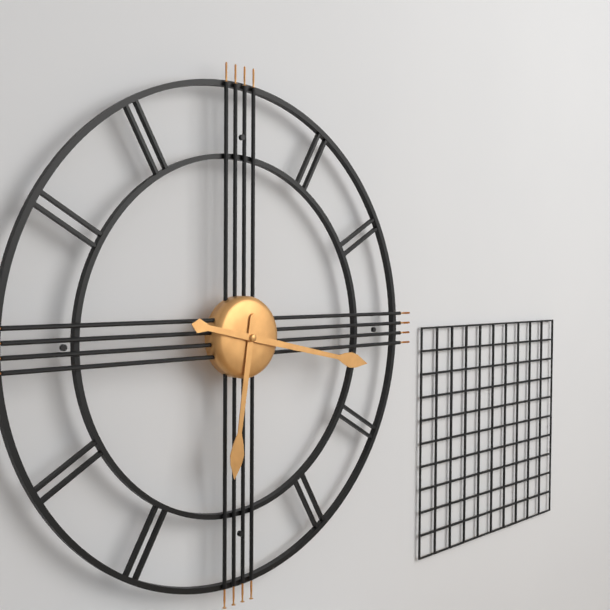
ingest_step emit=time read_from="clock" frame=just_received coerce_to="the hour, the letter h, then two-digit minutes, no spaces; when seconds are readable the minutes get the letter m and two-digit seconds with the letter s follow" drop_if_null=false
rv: 6h17
